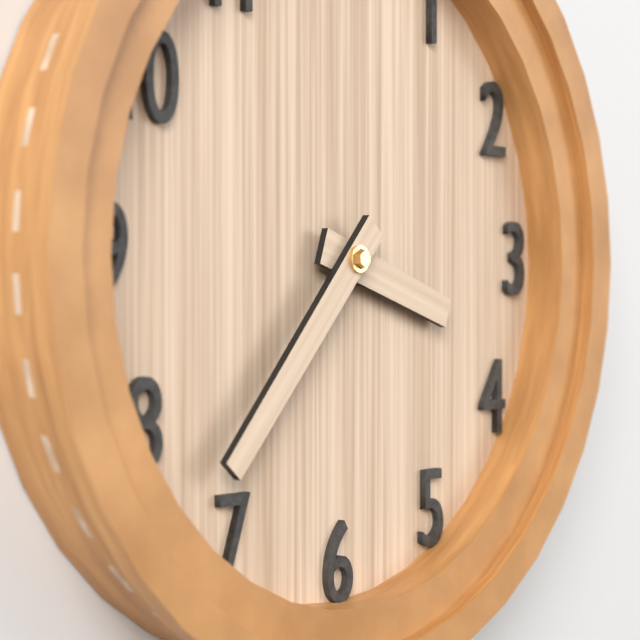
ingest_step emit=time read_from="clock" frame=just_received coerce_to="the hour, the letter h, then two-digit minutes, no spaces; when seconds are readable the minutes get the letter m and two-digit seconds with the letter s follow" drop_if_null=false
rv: 3h37
